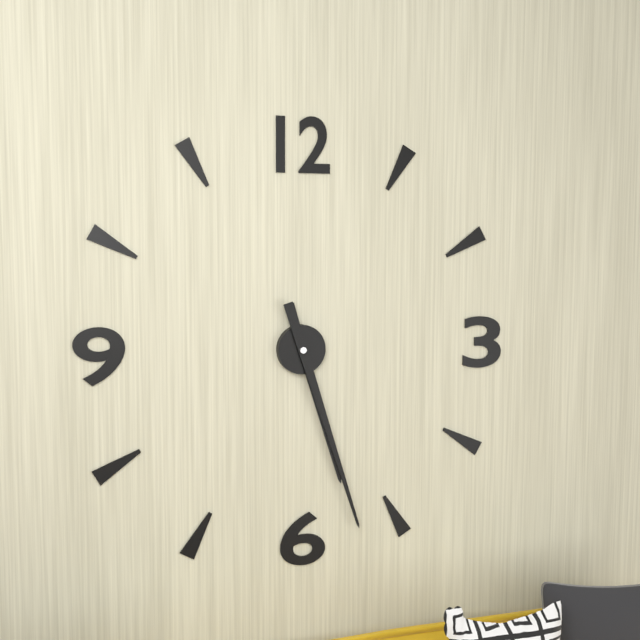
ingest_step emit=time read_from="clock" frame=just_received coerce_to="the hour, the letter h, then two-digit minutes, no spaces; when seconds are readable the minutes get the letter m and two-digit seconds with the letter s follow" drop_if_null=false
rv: 5h27
